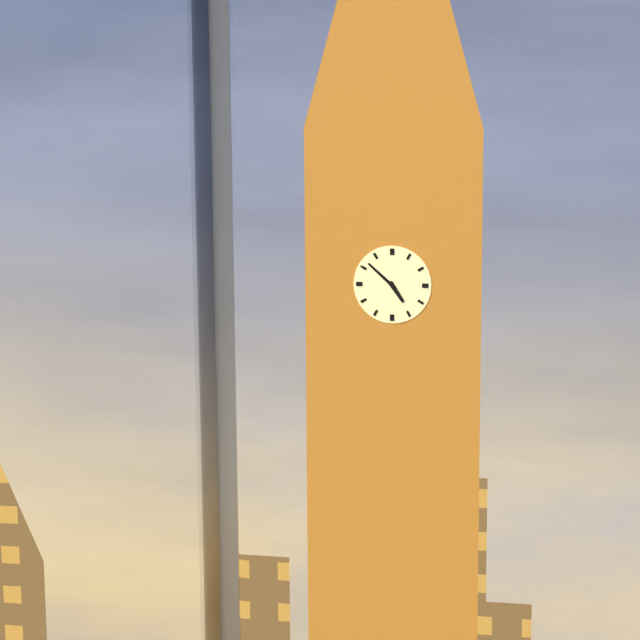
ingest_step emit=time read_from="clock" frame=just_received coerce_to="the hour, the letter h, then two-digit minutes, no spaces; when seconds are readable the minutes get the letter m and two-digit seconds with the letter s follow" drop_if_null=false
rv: 4h52
